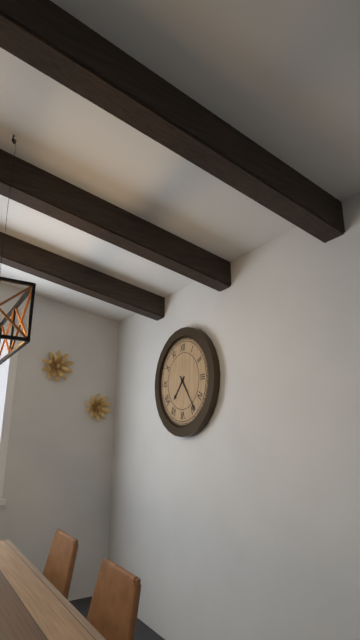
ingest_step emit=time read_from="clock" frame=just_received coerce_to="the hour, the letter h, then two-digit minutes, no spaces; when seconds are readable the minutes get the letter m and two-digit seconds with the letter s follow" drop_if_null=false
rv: 7h24
